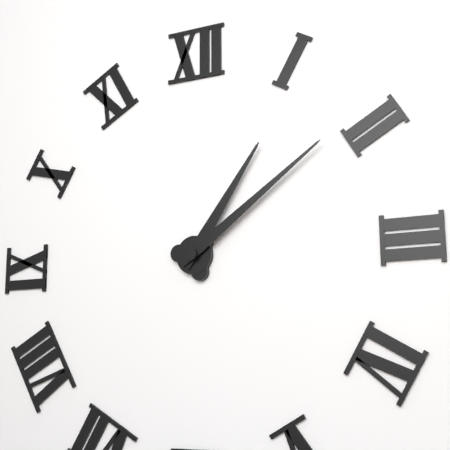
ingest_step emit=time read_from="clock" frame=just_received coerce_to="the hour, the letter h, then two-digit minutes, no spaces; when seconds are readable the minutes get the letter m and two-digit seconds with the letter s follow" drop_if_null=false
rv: 1h09
